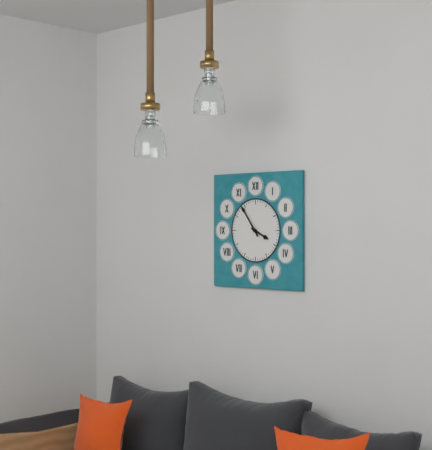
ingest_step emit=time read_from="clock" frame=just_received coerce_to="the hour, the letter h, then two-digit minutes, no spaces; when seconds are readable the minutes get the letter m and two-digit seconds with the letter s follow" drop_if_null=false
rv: 3h54
